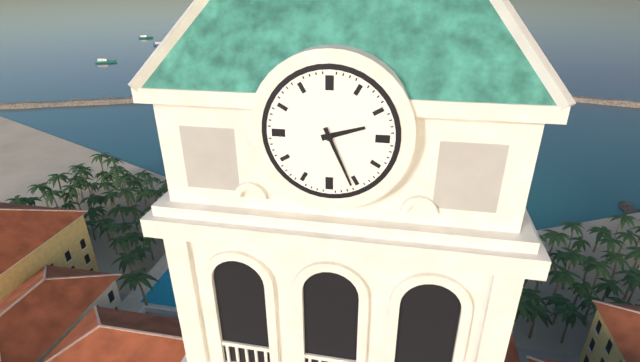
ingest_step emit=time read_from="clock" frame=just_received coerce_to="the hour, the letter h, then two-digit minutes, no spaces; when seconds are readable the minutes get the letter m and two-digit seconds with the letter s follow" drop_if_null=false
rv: 2h26
